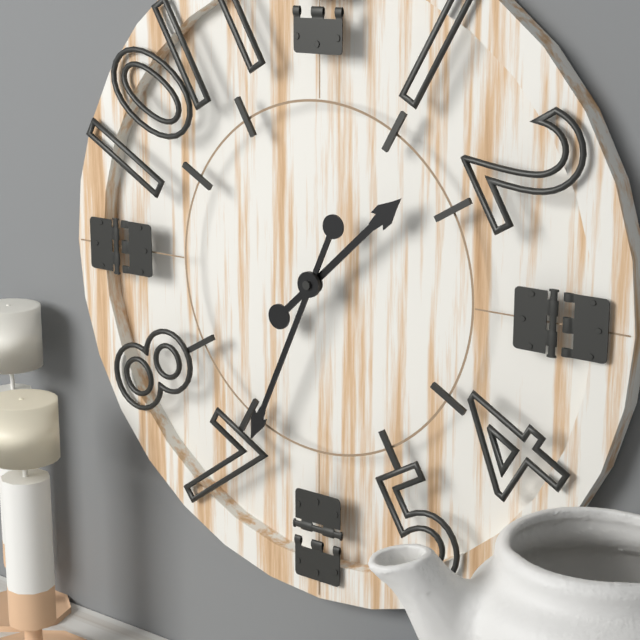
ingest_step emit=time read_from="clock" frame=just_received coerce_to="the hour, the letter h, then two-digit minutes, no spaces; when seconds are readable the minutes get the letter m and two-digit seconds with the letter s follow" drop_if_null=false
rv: 1h34
